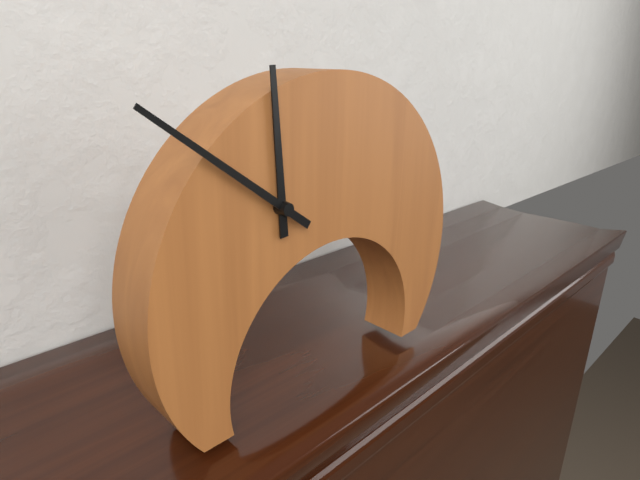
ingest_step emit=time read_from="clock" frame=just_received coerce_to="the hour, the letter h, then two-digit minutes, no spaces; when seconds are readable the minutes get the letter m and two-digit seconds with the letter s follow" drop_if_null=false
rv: 11h51
